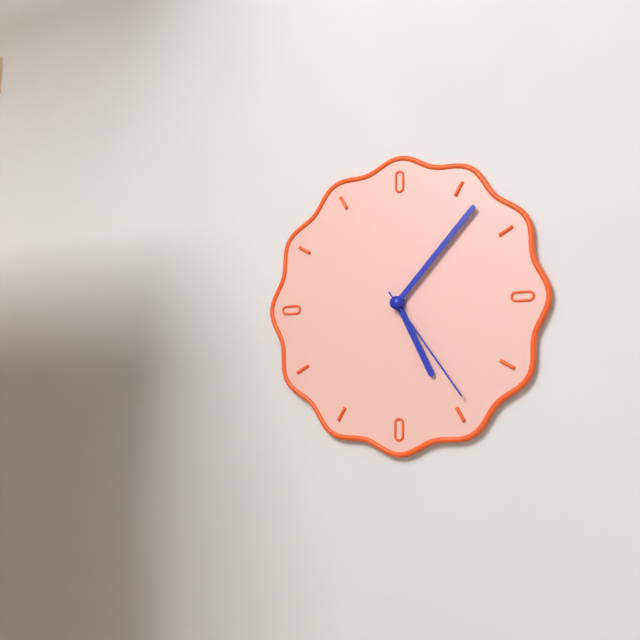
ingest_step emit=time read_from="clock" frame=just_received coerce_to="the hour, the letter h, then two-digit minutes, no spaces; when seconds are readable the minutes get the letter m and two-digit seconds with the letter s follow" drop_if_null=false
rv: 5h07m24s
